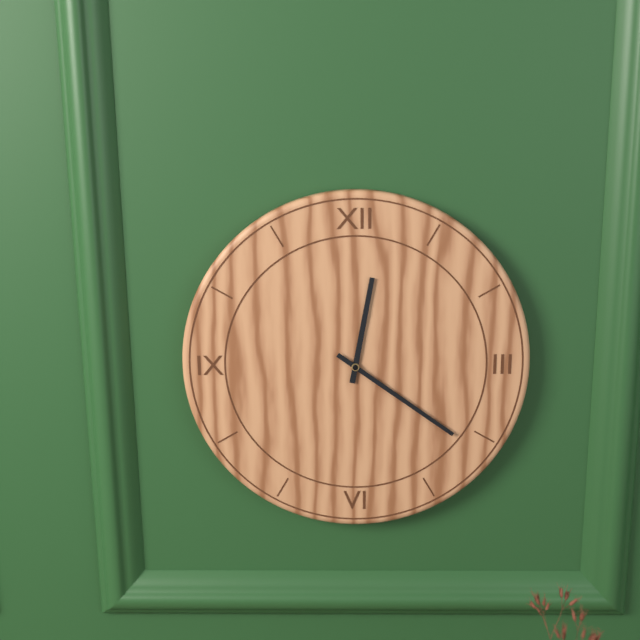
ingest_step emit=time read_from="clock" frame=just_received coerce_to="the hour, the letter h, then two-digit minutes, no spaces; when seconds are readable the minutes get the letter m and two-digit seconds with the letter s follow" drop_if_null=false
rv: 12h21
